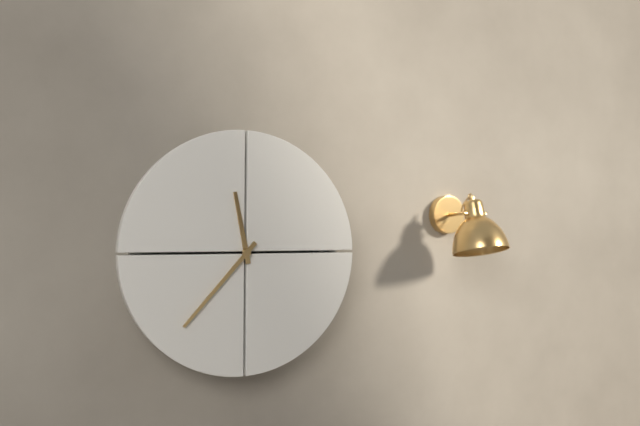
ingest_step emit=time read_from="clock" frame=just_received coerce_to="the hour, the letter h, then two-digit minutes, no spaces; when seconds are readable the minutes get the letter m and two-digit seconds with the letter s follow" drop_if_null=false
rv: 11h37
